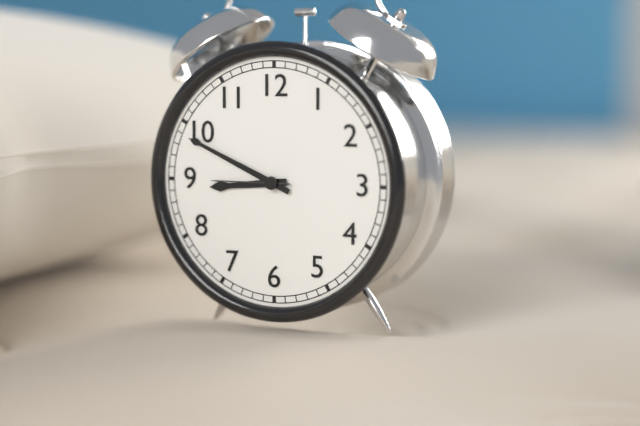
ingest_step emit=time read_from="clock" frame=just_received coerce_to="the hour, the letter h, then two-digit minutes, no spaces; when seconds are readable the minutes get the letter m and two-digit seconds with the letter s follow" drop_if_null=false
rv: 8h49m45s
